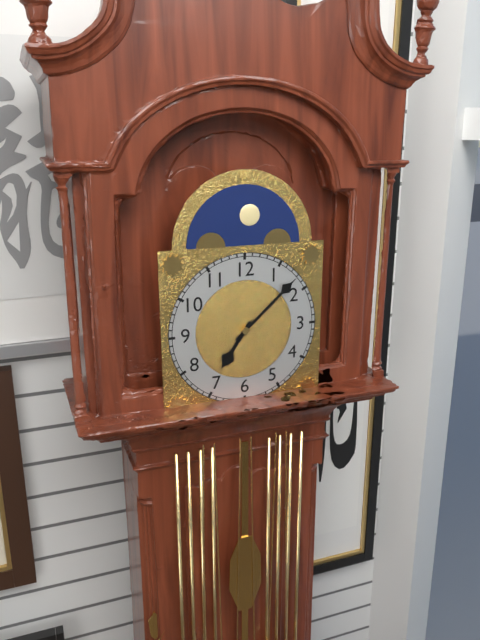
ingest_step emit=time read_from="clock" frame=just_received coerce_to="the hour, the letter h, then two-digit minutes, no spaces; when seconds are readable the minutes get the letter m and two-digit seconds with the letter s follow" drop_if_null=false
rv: 7h08
